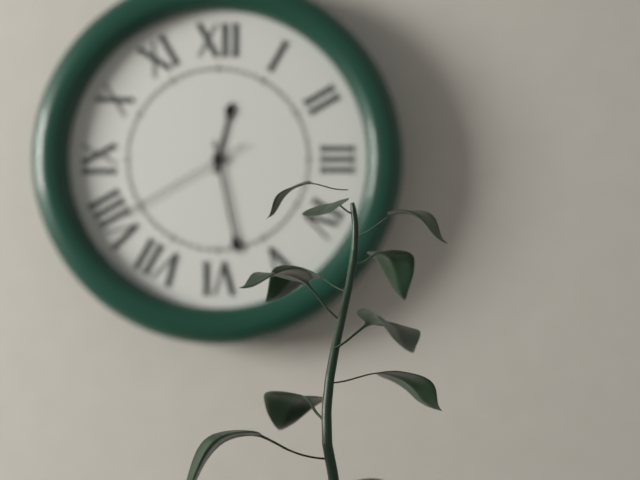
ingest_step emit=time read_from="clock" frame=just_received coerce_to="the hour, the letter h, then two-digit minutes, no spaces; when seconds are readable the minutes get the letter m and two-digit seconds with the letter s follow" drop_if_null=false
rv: 12h28m40s
